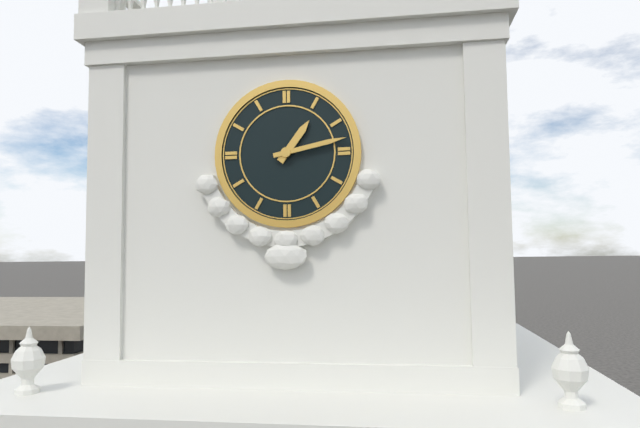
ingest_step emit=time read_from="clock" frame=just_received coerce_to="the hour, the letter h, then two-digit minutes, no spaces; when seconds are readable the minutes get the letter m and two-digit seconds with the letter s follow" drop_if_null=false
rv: 1h13
